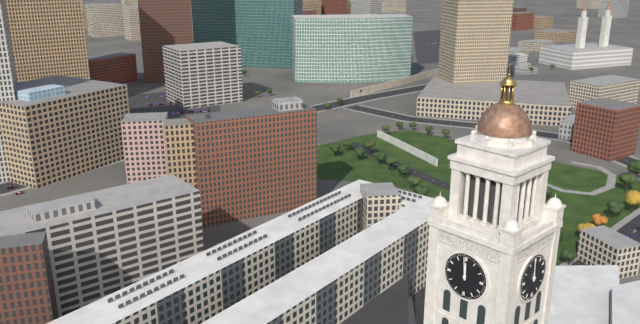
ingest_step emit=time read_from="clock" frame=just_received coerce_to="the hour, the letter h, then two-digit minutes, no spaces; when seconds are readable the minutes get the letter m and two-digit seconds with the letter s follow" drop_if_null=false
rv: 11h59
